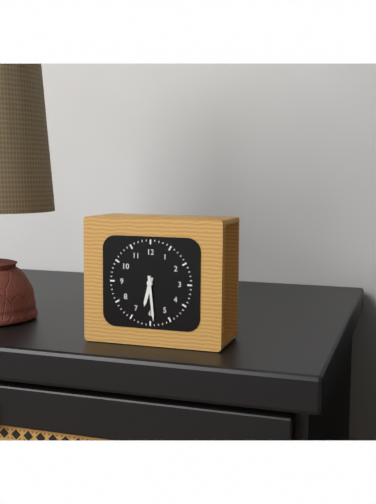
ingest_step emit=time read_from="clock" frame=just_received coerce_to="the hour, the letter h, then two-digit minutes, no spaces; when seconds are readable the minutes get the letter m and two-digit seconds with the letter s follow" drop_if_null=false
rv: 6h29
